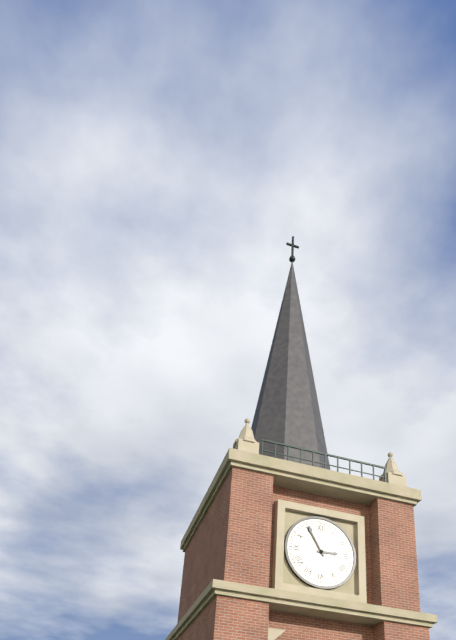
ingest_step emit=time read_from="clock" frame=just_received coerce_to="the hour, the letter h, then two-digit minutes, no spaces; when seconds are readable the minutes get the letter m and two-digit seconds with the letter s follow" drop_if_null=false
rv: 2h55
